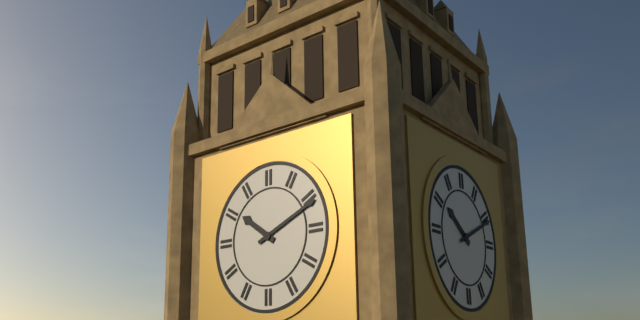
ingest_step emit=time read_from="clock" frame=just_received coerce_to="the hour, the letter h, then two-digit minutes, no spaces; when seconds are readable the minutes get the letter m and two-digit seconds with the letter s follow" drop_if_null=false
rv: 10h11
